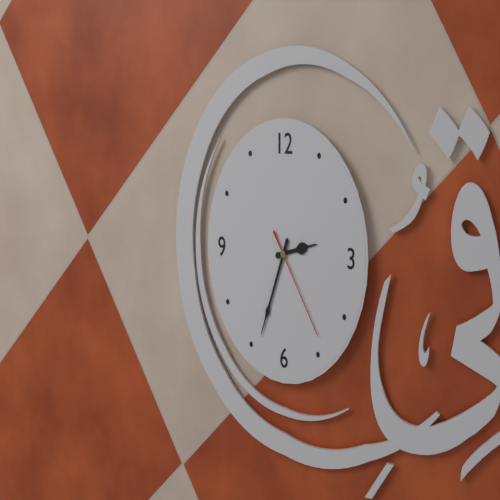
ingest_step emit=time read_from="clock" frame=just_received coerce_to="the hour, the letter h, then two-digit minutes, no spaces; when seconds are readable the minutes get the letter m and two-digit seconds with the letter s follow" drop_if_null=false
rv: 2h34m24s
